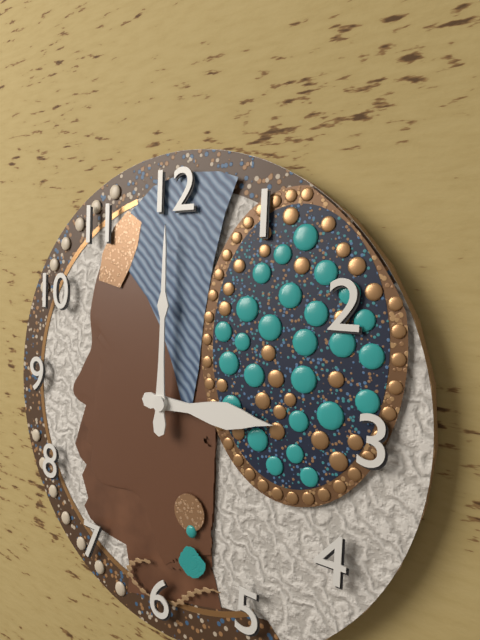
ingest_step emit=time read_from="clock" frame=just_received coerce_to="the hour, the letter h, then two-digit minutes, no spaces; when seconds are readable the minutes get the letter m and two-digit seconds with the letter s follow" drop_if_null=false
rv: 3h00
